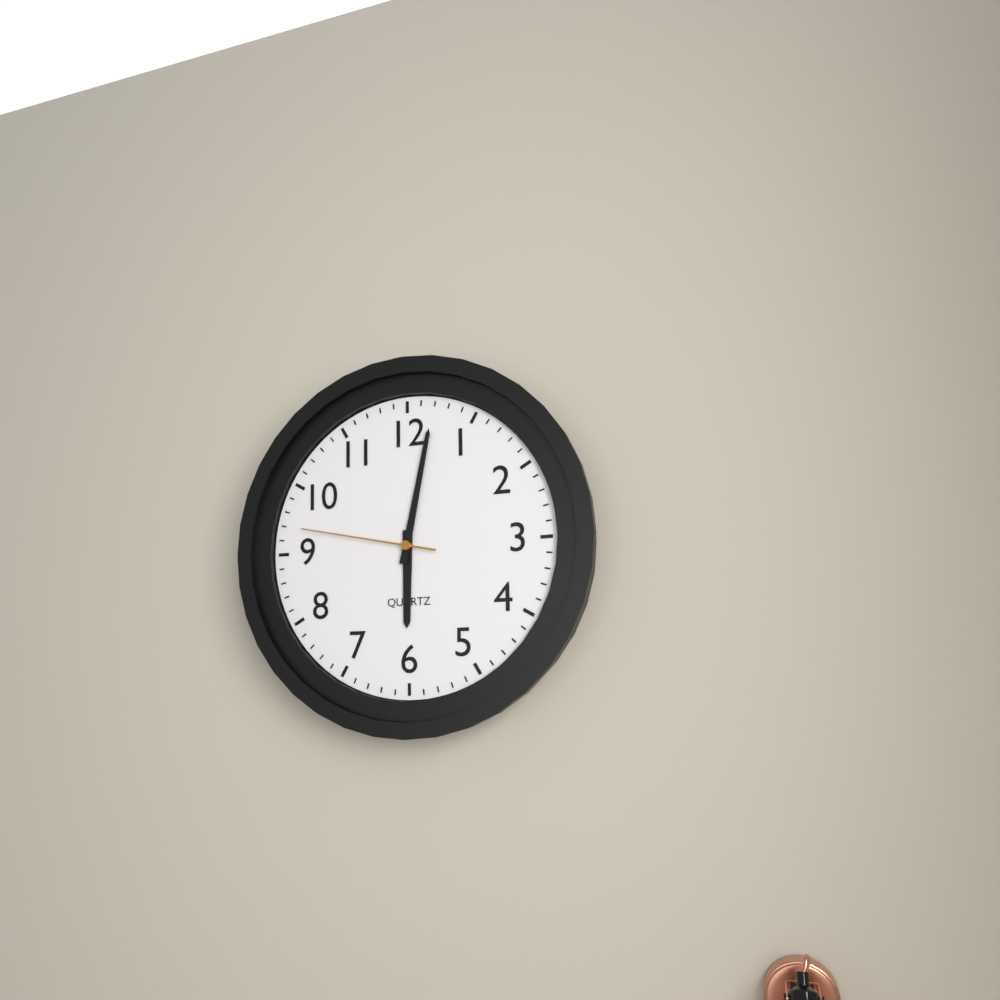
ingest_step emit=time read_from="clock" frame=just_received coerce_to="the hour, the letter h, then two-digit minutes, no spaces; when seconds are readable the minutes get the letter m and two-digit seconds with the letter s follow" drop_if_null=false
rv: 6h02m47s
